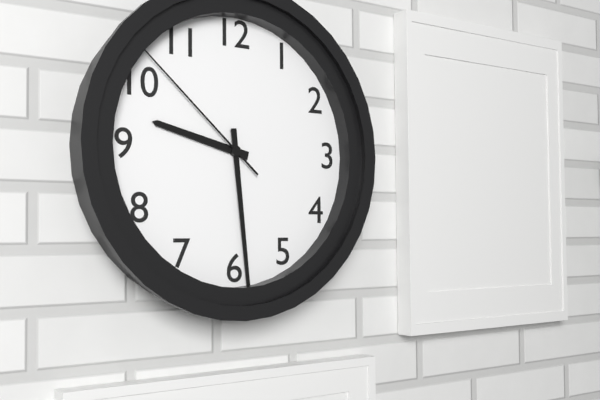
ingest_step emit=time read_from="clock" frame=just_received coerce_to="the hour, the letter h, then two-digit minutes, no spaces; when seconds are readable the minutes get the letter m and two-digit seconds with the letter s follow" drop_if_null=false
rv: 9h29m52s
